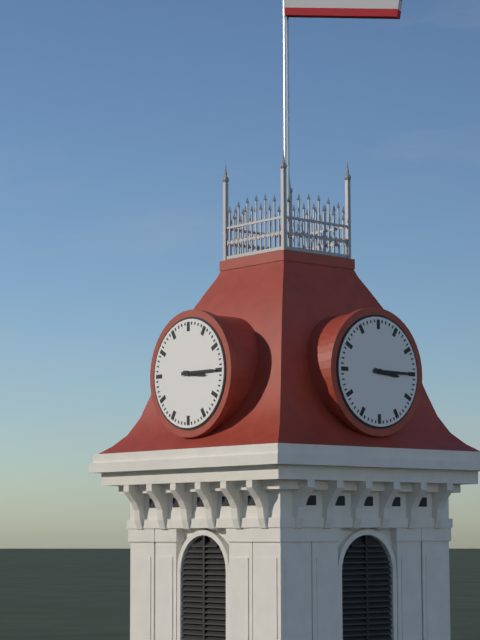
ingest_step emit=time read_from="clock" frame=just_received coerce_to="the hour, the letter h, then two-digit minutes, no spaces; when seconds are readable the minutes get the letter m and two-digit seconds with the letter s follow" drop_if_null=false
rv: 3h15
